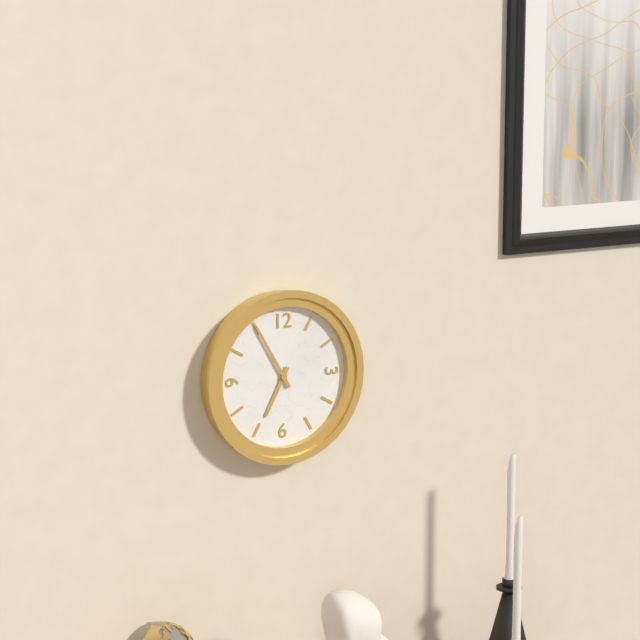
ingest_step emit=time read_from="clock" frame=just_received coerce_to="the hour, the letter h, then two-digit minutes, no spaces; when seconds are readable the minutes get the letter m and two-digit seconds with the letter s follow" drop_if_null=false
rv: 6h55
